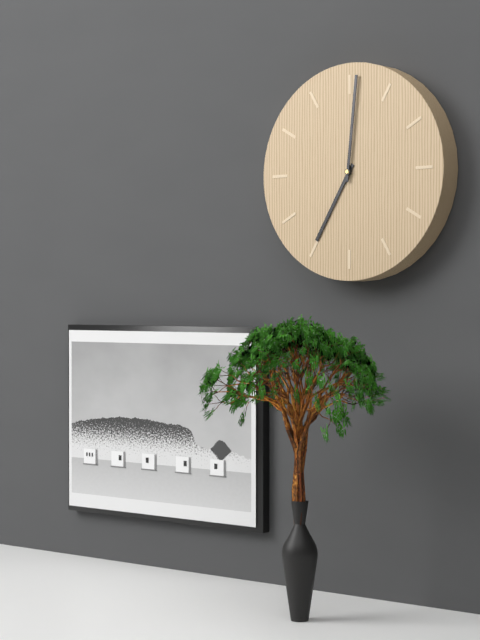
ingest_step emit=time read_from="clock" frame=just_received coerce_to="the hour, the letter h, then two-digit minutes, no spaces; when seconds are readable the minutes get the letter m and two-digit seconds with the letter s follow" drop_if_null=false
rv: 7h01
